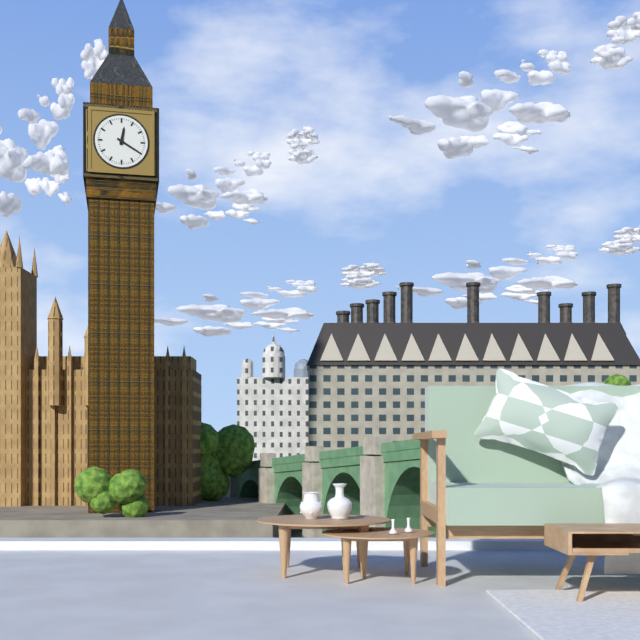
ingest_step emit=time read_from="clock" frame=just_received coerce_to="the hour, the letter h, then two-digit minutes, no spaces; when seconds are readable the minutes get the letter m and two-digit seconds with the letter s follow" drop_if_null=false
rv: 12h20
